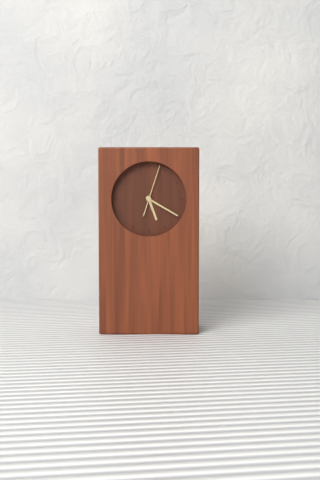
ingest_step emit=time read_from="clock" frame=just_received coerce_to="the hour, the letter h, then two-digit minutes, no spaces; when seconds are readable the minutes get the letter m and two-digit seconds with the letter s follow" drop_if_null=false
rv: 5h20
